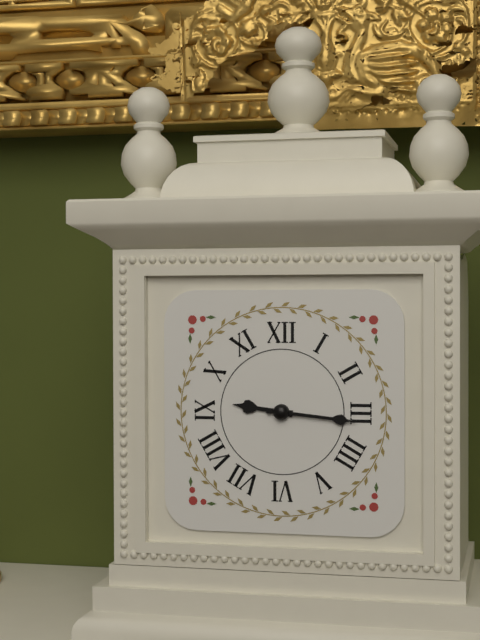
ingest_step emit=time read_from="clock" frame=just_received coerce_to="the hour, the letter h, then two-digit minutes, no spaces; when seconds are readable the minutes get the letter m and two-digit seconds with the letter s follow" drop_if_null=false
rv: 9h16
